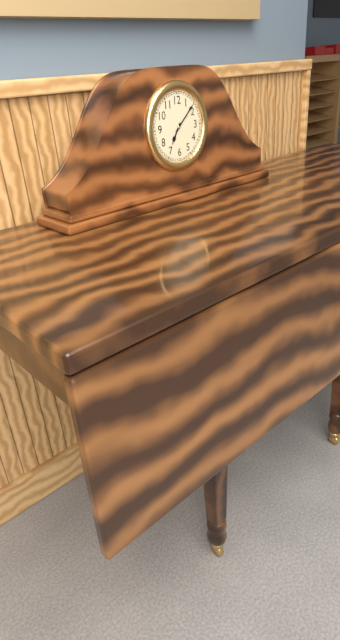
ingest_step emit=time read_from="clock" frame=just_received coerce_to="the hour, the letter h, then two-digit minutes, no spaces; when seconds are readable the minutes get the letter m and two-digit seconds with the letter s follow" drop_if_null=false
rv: 7h08
